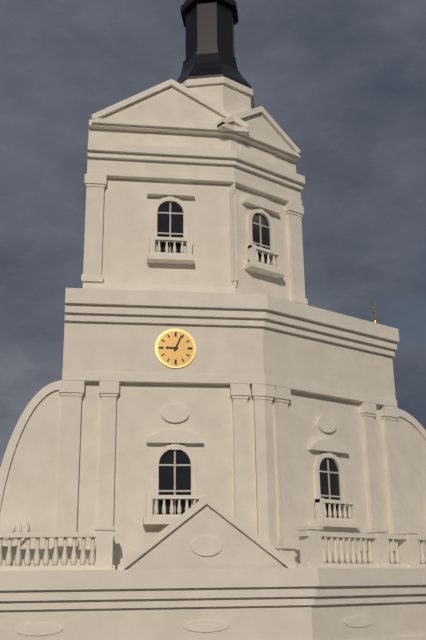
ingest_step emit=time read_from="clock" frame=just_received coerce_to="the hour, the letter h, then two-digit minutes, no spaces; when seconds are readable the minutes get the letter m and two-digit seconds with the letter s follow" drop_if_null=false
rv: 9h04
